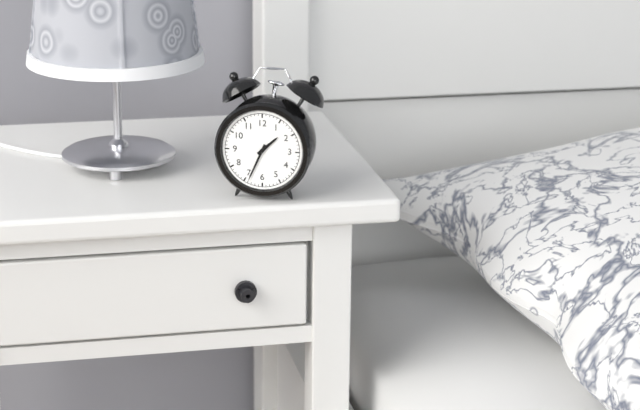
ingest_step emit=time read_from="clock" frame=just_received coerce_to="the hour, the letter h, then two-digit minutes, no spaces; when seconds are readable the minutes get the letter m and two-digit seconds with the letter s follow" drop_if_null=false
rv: 1h34
